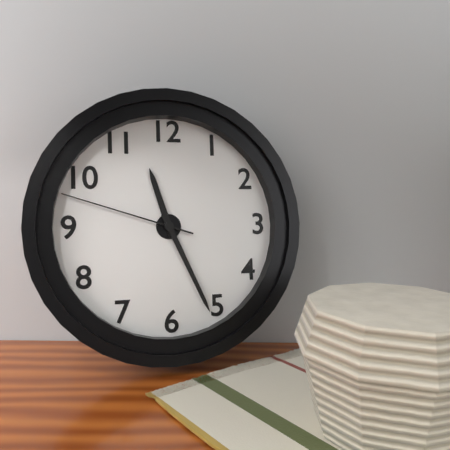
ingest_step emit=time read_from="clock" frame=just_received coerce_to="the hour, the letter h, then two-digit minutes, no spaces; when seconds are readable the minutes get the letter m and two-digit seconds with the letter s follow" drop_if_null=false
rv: 11h26m48s
